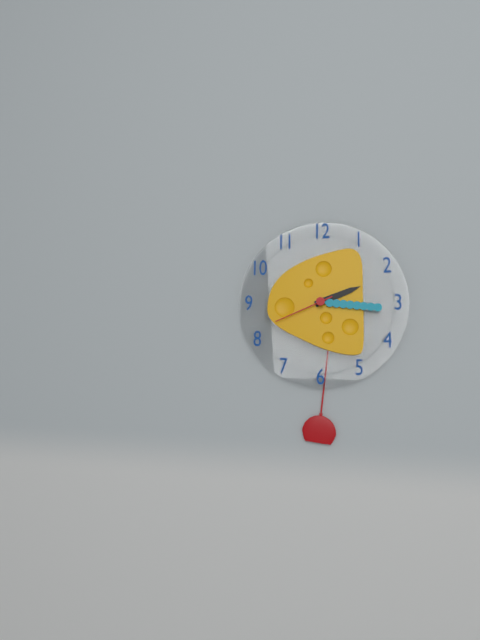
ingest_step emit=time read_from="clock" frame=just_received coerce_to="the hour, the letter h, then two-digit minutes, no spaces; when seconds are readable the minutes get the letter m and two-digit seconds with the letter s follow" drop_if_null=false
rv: 2h16m41s
